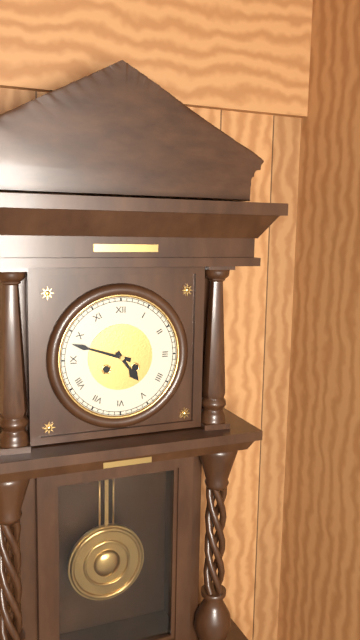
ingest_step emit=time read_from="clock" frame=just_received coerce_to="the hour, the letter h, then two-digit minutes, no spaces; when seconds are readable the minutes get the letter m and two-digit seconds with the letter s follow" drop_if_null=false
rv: 4h48
